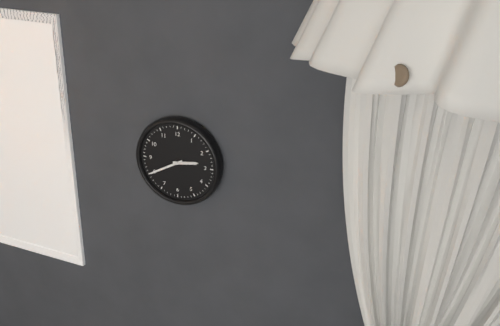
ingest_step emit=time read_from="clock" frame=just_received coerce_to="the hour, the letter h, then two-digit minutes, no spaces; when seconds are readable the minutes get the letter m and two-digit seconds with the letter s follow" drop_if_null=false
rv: 2h40
